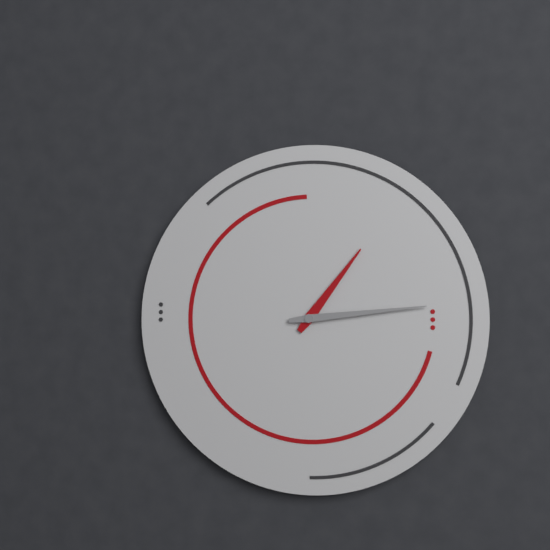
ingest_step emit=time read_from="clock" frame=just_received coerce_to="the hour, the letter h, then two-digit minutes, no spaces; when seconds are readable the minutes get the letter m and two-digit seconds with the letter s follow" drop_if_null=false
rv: 1h14
